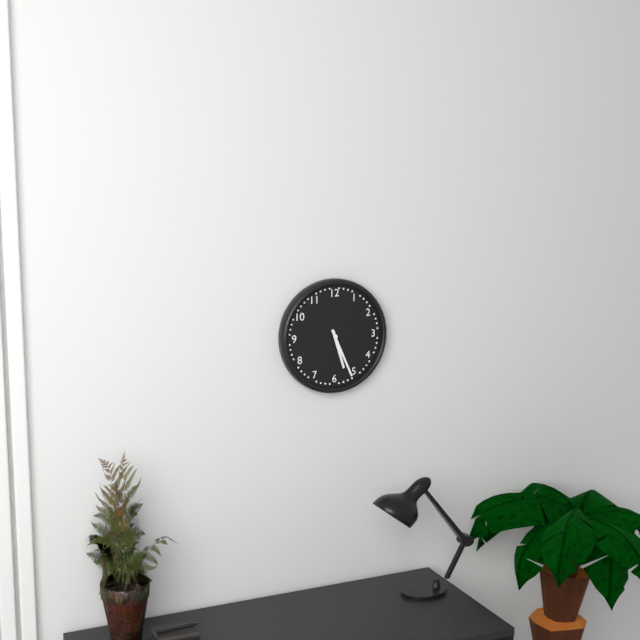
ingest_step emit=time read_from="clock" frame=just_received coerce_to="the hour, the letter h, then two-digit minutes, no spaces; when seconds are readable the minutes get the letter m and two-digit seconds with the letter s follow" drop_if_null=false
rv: 5h26
